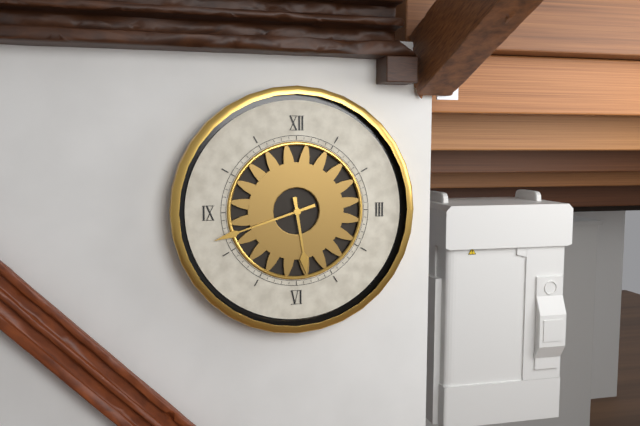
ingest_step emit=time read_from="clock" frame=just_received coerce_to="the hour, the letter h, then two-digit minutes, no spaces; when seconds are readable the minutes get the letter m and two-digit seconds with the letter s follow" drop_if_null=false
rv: 5h42
